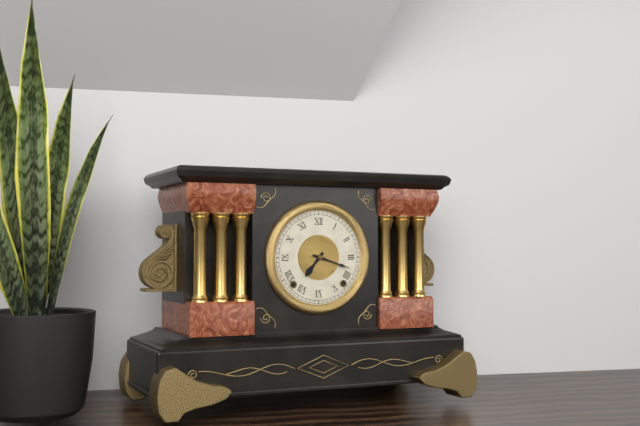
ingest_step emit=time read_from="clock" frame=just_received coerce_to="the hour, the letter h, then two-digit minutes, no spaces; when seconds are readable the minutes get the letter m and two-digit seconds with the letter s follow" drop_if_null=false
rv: 7h18
